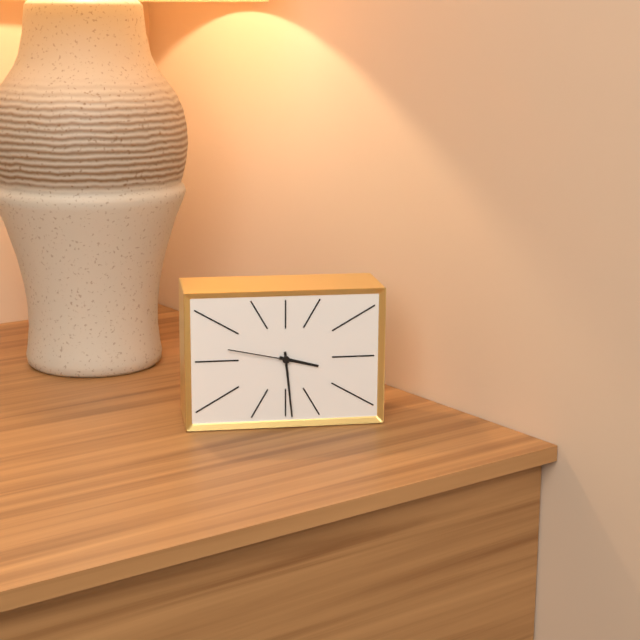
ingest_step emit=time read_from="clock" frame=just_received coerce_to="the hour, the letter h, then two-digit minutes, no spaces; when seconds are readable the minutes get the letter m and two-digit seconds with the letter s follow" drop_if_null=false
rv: 3h29m47s
